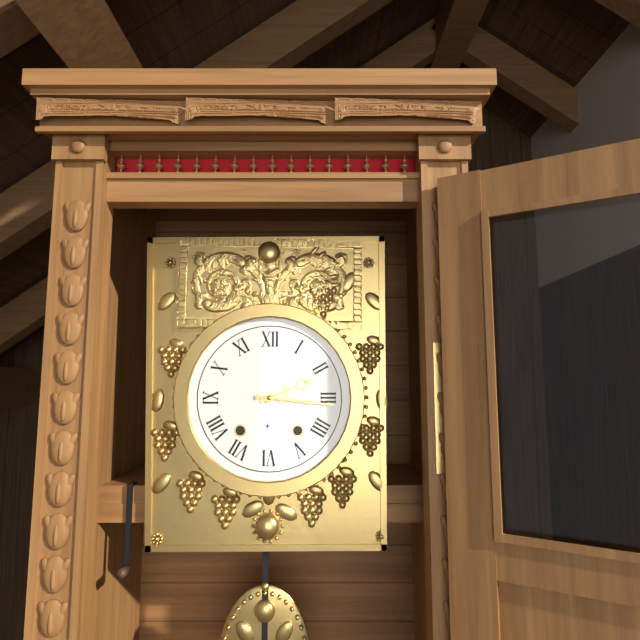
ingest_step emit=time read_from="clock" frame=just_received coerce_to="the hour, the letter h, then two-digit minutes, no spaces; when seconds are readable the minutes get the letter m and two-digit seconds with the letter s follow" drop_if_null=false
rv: 2h16
